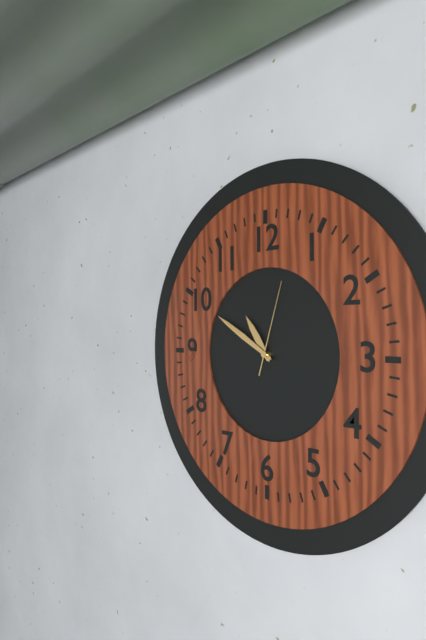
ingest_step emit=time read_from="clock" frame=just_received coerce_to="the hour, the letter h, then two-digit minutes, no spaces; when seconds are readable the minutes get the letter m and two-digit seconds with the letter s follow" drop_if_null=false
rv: 10h50m03s
